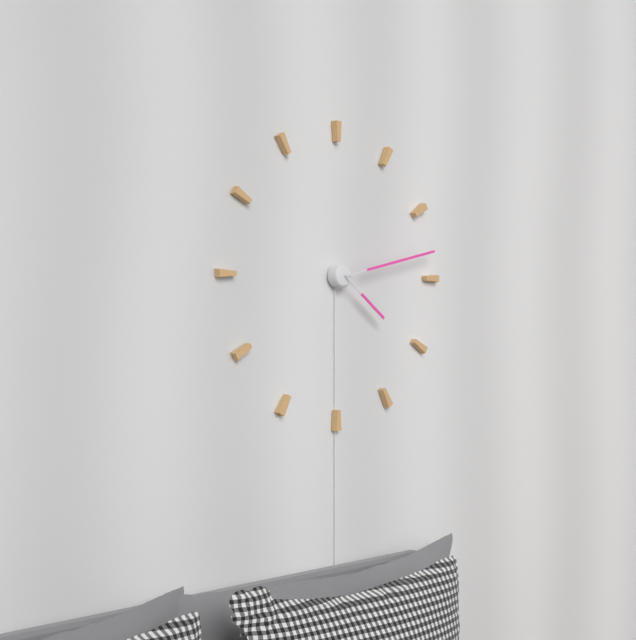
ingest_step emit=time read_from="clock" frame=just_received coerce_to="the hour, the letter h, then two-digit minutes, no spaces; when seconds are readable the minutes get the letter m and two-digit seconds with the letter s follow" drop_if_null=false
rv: 4h13
